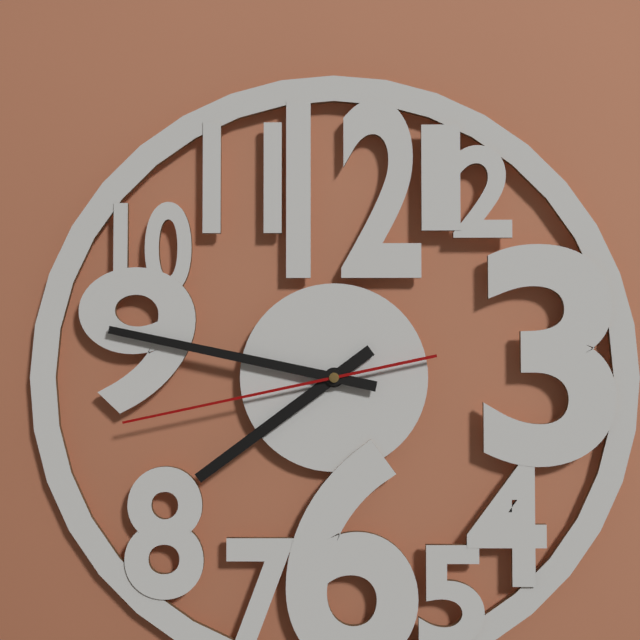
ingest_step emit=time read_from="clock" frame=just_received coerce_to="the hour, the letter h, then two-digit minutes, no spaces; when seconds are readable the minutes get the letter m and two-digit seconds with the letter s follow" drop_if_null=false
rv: 7h47m43s
